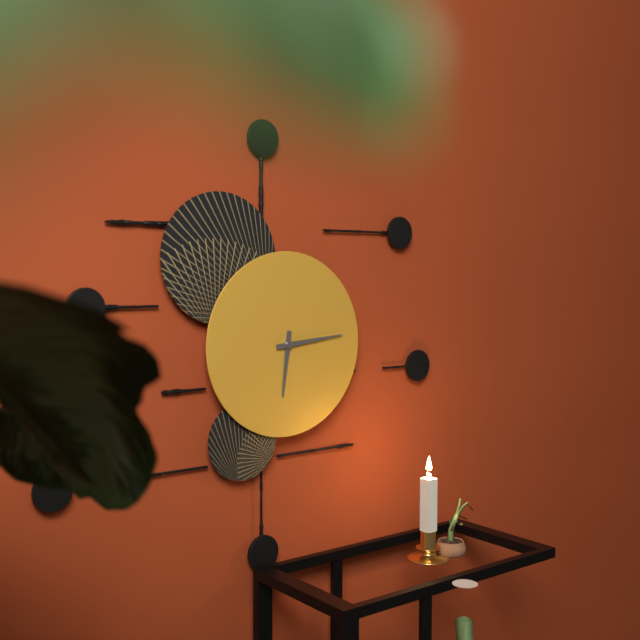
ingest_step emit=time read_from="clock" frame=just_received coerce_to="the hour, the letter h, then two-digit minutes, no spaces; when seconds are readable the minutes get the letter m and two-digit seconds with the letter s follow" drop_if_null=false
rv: 6h14
